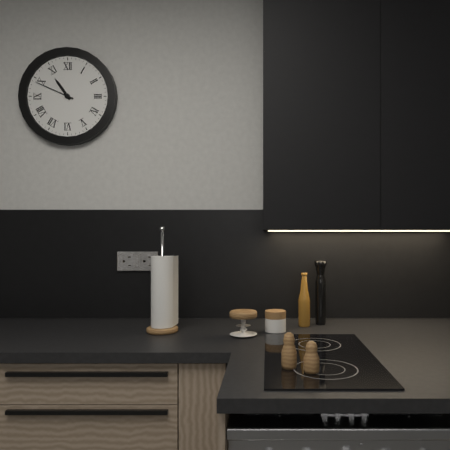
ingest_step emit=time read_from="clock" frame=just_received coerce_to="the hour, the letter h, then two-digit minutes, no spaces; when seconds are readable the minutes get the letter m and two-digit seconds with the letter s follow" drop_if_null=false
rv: 10h49
